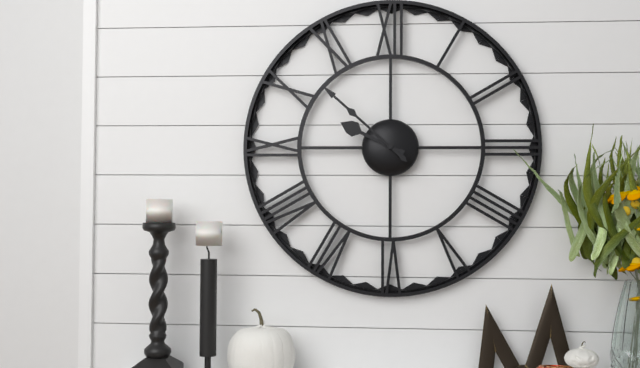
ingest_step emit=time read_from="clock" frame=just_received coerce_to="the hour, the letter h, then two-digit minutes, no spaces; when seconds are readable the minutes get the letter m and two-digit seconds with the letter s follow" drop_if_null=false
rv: 9h52
